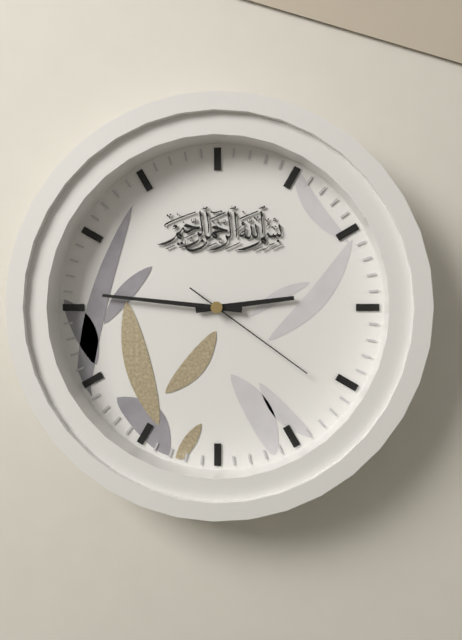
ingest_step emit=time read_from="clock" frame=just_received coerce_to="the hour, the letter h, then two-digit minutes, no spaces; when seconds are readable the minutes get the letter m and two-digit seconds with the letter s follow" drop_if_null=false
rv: 2h46m21s
